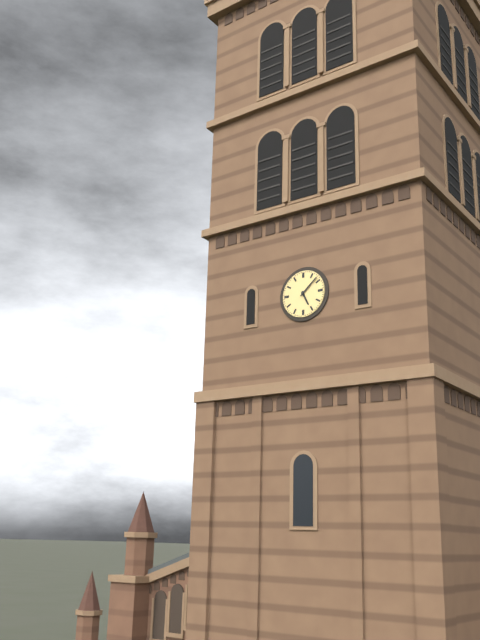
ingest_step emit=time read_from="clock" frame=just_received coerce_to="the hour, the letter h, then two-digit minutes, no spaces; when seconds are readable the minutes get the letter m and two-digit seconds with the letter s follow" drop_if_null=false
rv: 5h08
